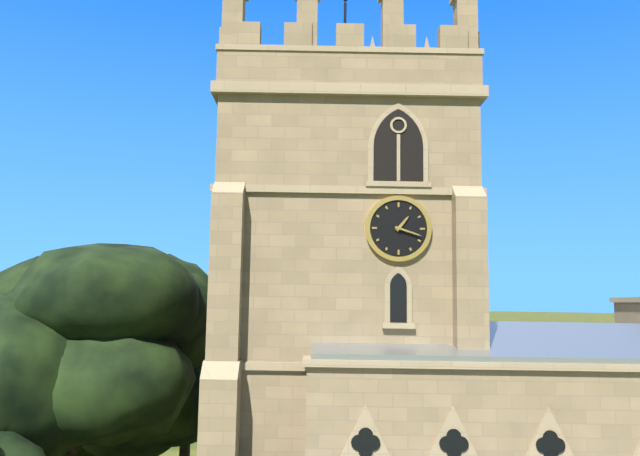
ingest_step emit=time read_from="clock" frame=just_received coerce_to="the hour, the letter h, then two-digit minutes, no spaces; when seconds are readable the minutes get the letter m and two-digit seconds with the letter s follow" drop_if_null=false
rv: 1h18
